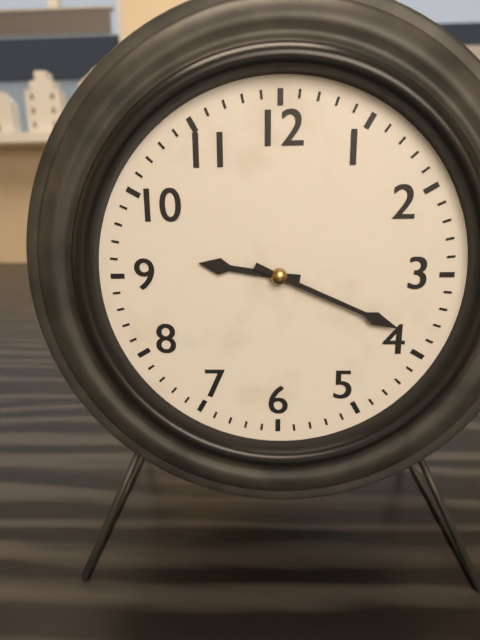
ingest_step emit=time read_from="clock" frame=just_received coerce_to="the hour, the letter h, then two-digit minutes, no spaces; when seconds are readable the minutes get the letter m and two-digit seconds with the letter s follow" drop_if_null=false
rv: 9h19
